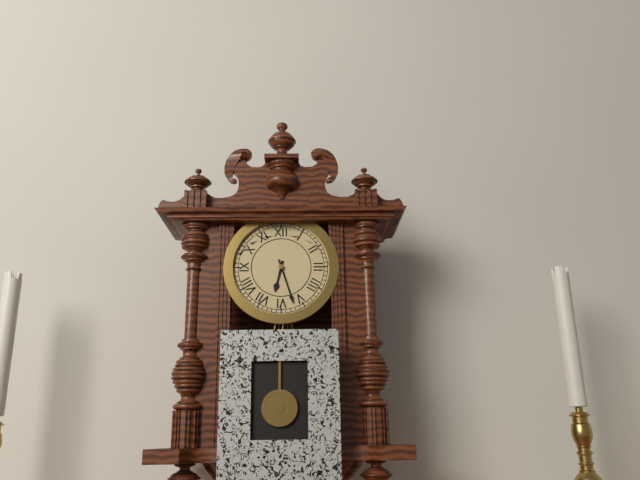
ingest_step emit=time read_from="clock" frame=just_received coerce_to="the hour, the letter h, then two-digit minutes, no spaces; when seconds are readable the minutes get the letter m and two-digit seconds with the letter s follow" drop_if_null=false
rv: 6h27
